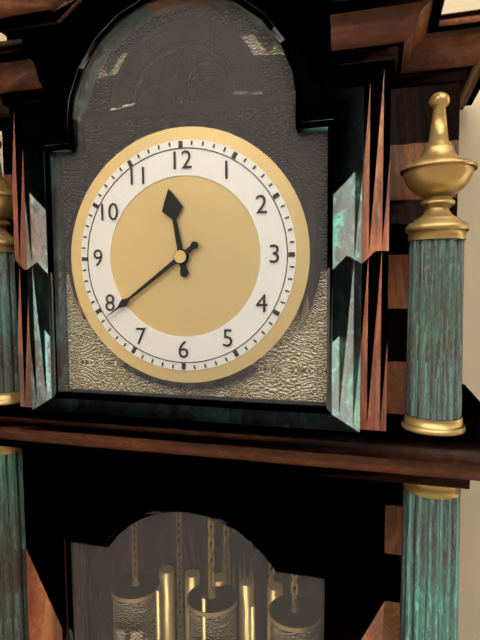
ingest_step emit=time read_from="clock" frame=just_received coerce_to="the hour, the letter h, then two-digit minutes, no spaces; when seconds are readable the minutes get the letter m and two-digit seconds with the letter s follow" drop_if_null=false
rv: 11h39
